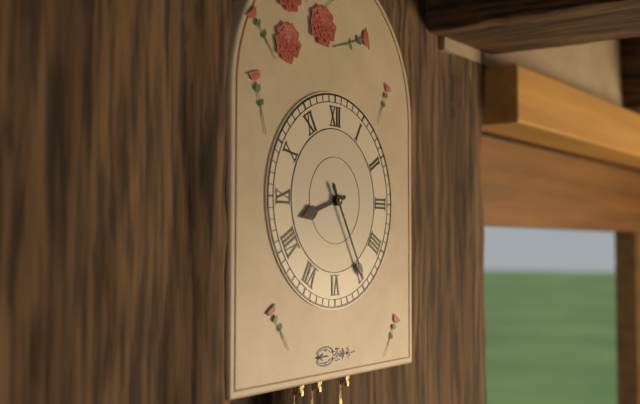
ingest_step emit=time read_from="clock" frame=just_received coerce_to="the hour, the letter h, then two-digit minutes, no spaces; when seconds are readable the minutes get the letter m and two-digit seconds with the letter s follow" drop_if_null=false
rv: 8h25
